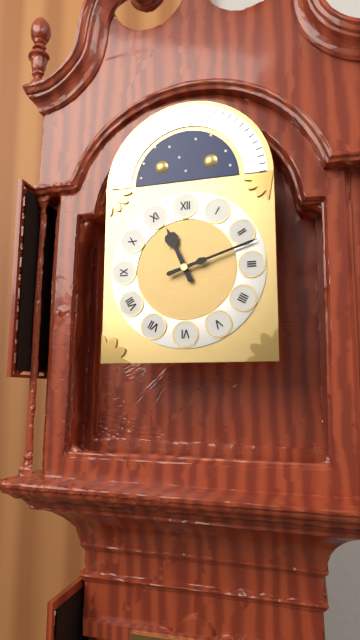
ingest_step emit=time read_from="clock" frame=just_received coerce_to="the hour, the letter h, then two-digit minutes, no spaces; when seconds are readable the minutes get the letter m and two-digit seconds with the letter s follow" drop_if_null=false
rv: 11h12
